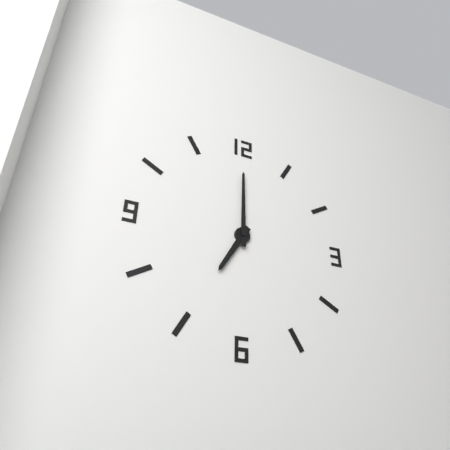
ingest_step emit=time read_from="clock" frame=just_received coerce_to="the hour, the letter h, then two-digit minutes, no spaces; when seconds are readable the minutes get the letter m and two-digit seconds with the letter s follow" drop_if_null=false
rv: 7h00
